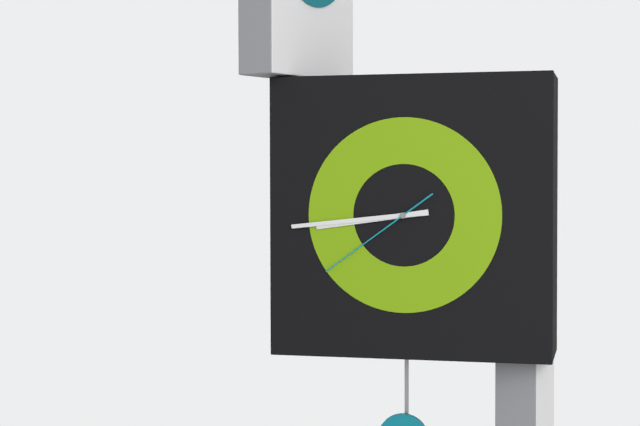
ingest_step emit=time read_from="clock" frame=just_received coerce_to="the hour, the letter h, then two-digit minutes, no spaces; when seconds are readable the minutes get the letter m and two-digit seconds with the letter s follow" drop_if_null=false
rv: 8h44m39s
